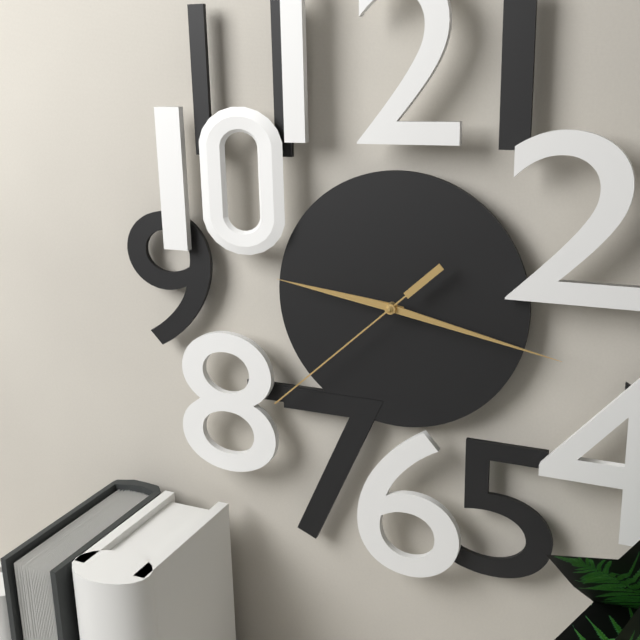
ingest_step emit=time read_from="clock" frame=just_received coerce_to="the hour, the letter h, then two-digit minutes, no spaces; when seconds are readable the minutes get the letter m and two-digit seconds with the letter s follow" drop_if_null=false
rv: 9h17m38s
